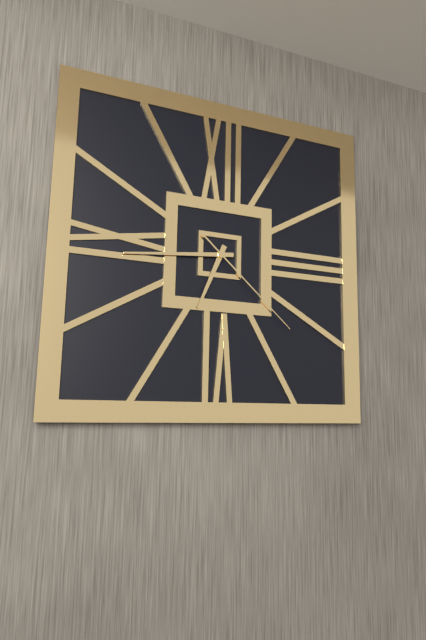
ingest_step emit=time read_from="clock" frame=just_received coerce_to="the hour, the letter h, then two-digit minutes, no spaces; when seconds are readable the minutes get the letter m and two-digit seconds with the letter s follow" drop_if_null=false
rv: 6h44m22s
